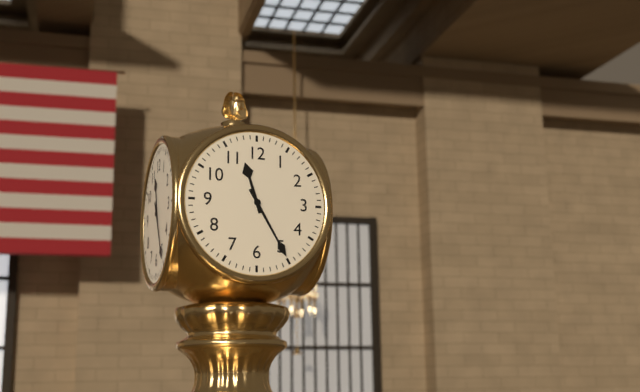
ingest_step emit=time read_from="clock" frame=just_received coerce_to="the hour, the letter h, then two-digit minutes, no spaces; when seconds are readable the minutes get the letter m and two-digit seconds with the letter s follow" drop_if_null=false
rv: 11h25
